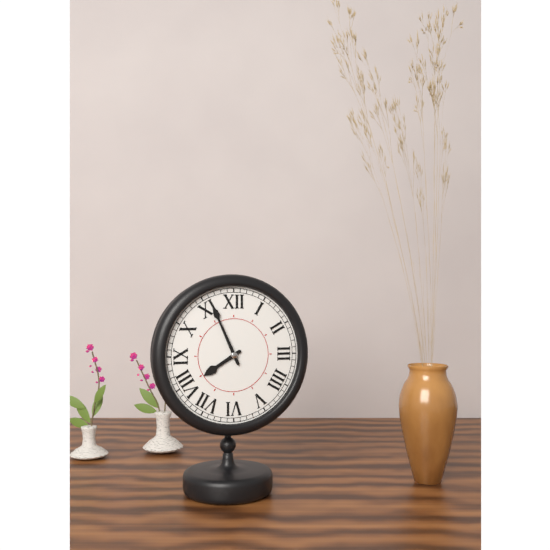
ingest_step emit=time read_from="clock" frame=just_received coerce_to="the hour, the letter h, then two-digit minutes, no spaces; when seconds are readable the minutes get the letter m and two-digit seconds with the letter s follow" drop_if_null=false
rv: 7h56
